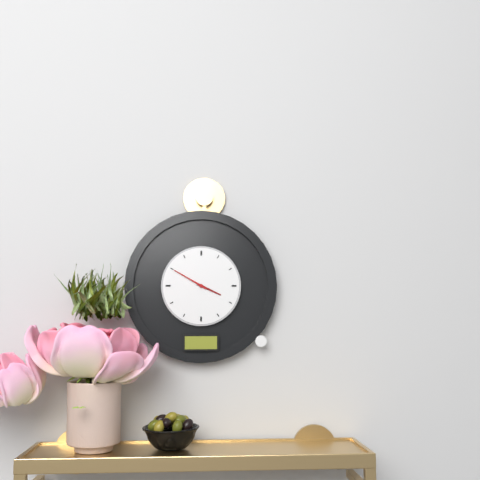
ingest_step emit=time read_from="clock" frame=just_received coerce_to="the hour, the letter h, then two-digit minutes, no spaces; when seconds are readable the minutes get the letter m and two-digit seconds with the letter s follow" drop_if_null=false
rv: 3h50
